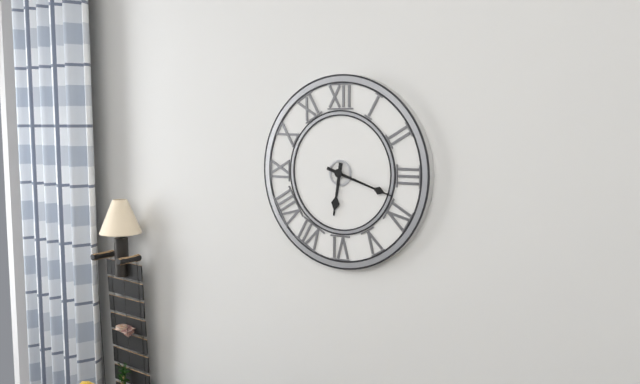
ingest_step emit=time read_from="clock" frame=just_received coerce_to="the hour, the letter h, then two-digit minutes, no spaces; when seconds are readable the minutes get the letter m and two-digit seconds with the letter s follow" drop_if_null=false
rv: 6h18
